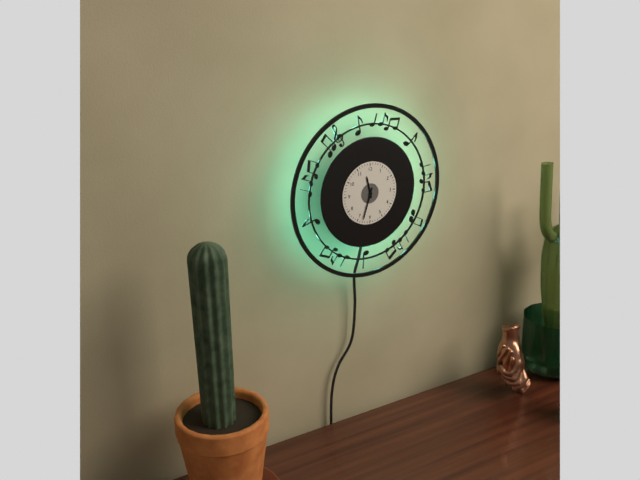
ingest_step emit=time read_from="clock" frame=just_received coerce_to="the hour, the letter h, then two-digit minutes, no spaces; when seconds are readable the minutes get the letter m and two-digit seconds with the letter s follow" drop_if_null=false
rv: 11h33
